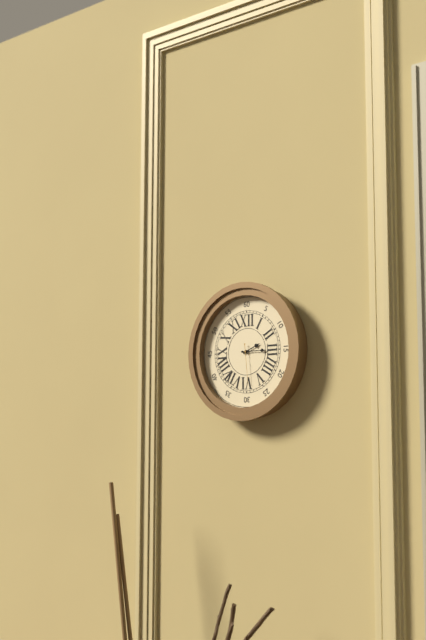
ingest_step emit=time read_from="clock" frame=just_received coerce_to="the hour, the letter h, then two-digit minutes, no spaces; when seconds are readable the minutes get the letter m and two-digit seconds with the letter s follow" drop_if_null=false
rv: 2h15
